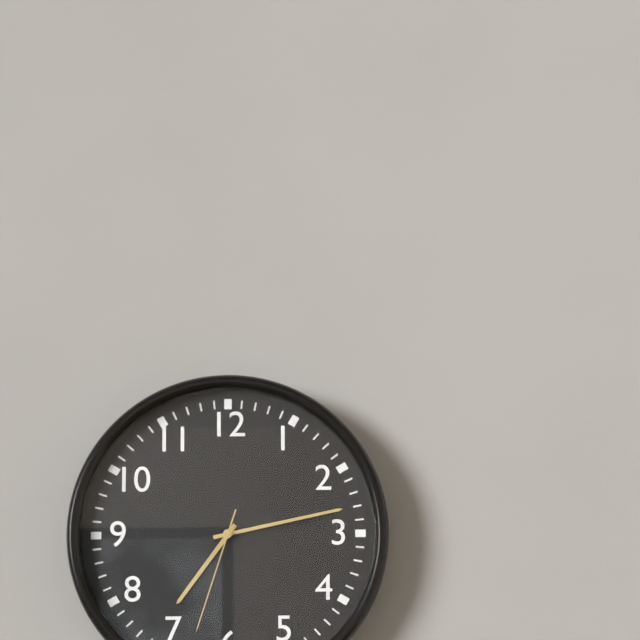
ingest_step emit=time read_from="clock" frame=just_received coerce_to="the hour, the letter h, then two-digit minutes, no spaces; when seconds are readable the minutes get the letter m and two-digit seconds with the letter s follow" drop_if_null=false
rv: 7h13m33s
